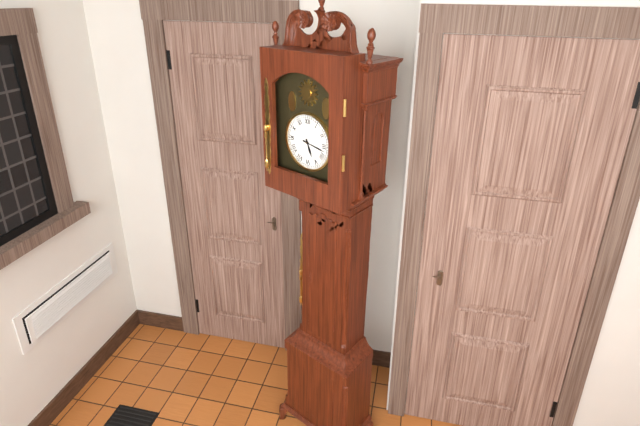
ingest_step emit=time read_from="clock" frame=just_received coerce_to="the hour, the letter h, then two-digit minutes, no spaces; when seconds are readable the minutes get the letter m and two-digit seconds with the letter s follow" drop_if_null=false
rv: 5h17
